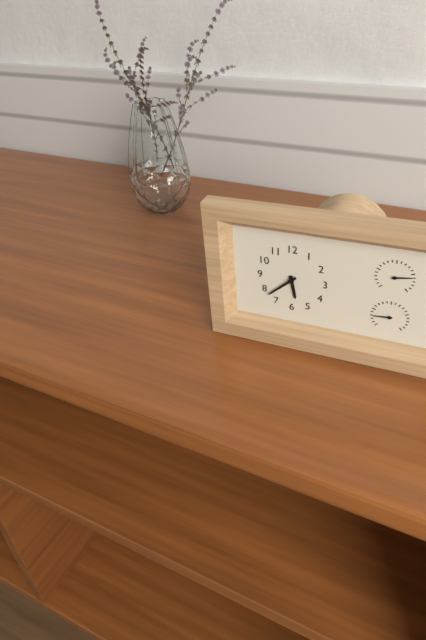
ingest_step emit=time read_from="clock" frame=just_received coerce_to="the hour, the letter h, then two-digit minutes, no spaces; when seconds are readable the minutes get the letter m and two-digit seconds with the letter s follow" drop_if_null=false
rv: 5h38
